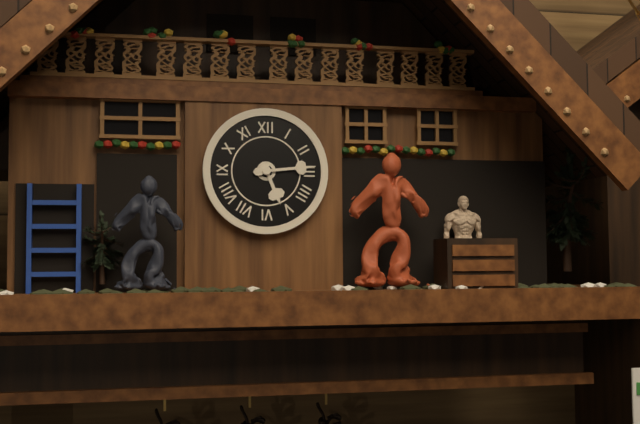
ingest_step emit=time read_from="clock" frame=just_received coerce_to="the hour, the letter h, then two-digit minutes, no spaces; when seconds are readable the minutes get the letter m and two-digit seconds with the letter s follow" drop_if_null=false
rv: 5h14
